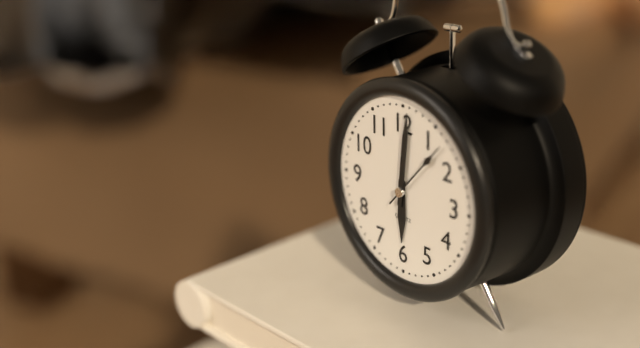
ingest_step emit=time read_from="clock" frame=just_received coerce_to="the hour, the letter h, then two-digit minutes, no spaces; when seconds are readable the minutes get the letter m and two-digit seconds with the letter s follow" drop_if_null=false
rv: 6h01m07s
